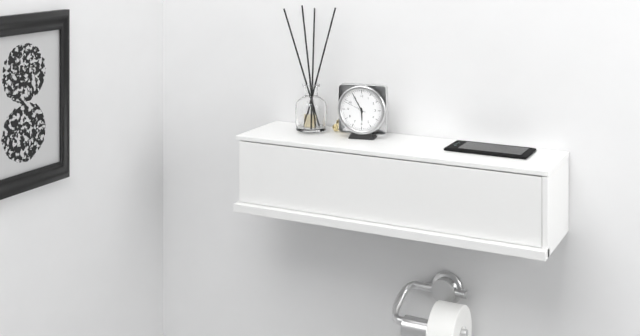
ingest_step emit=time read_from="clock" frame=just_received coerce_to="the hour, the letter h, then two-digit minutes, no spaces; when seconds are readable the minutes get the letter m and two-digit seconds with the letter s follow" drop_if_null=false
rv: 5h55
